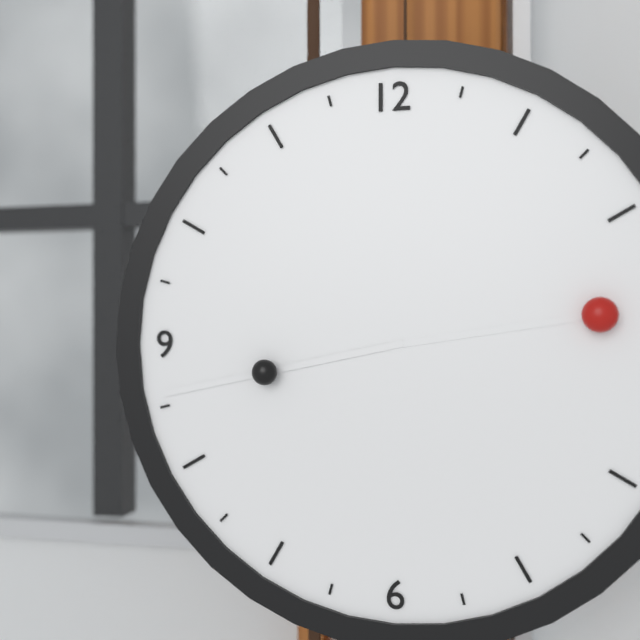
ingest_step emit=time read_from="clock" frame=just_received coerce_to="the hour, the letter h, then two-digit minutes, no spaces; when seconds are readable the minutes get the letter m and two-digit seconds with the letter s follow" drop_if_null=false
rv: 2h43
